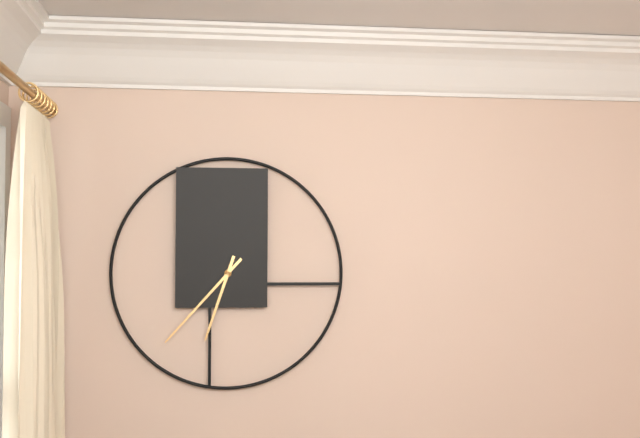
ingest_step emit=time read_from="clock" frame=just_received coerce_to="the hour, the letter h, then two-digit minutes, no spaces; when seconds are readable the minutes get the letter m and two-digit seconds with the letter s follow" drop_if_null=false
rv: 6h37
